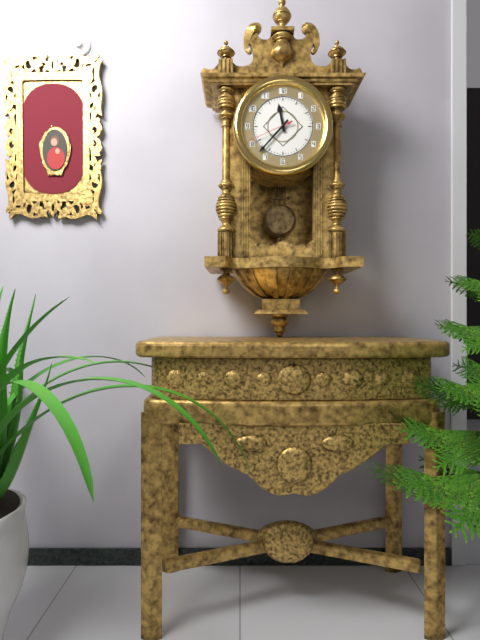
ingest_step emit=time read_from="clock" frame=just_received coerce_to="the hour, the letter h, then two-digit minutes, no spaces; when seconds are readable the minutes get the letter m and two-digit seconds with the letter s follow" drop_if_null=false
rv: 11h37
